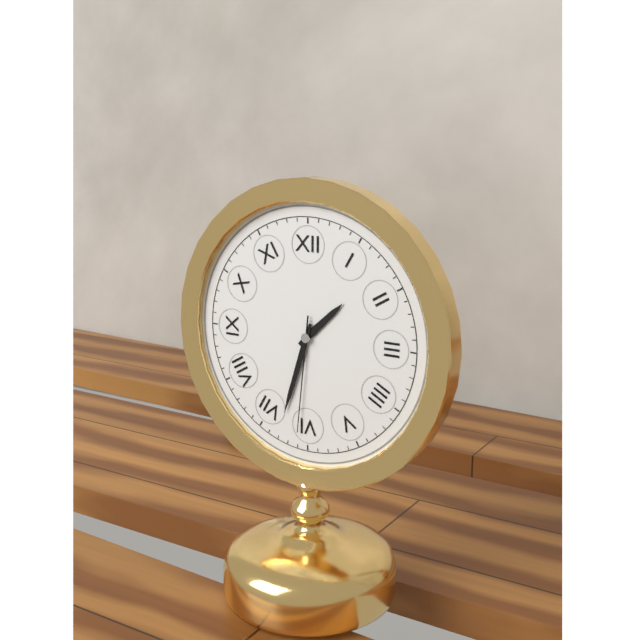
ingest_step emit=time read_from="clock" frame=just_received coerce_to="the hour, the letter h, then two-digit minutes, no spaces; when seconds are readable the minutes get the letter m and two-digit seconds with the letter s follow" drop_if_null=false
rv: 1h33m31s
